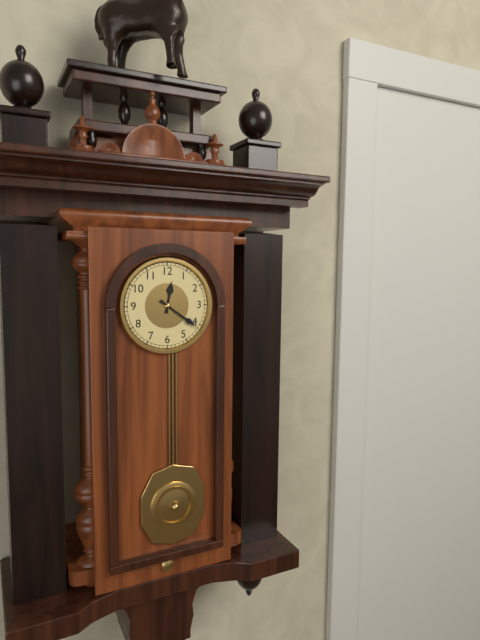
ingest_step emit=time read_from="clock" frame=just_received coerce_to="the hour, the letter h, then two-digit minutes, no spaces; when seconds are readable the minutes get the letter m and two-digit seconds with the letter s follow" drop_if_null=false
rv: 12h21
